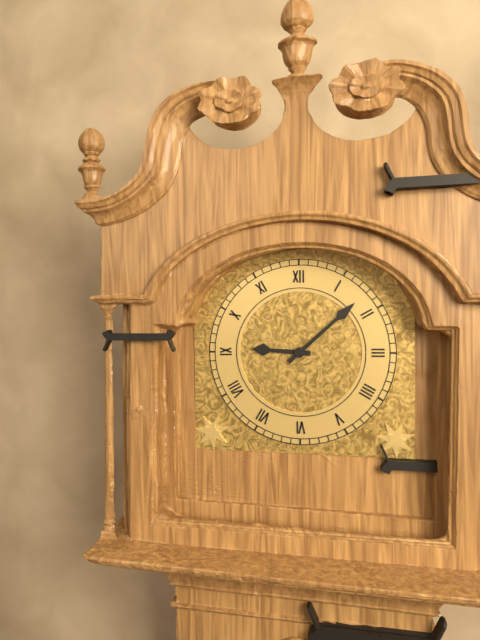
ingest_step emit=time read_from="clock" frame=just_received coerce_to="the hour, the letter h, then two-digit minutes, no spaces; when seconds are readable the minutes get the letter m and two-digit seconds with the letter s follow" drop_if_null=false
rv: 9h08
